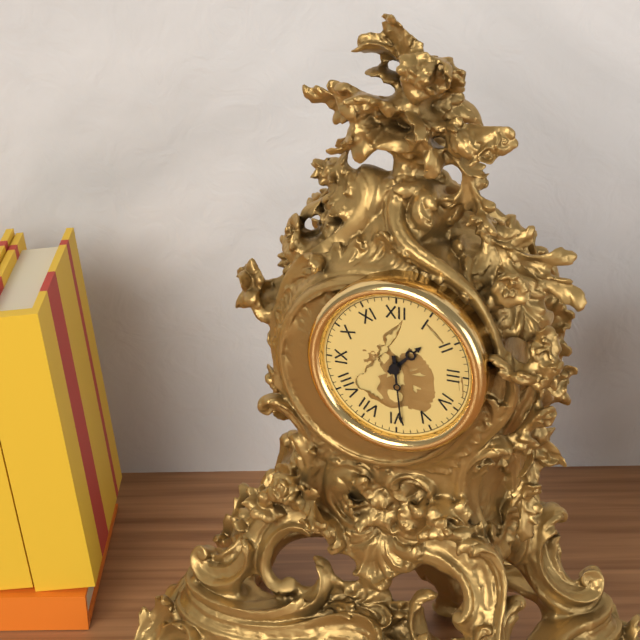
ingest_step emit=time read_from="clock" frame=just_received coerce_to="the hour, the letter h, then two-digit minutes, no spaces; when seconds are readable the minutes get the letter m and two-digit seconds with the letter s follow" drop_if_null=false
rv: 1h29
